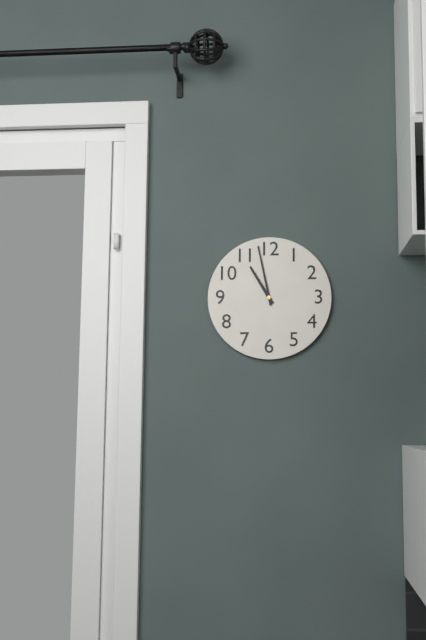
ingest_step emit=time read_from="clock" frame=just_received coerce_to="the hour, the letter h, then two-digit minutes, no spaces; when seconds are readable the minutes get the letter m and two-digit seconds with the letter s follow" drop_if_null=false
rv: 10h58
